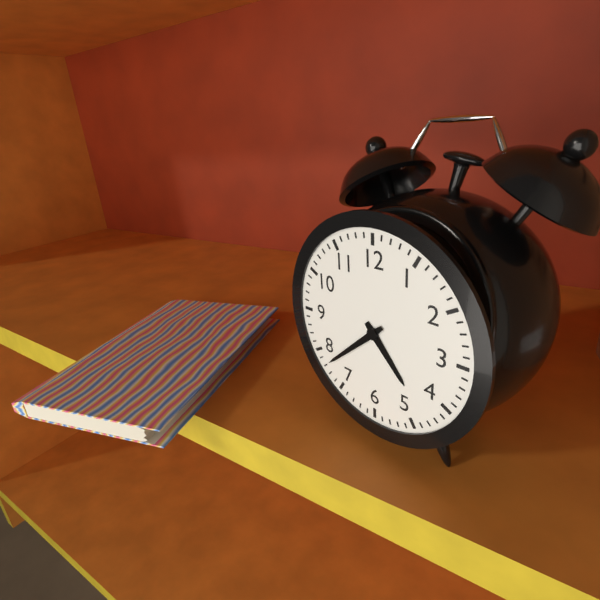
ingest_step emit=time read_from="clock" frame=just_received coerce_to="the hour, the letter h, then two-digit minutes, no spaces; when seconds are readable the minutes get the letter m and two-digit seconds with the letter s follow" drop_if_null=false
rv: 4h38
